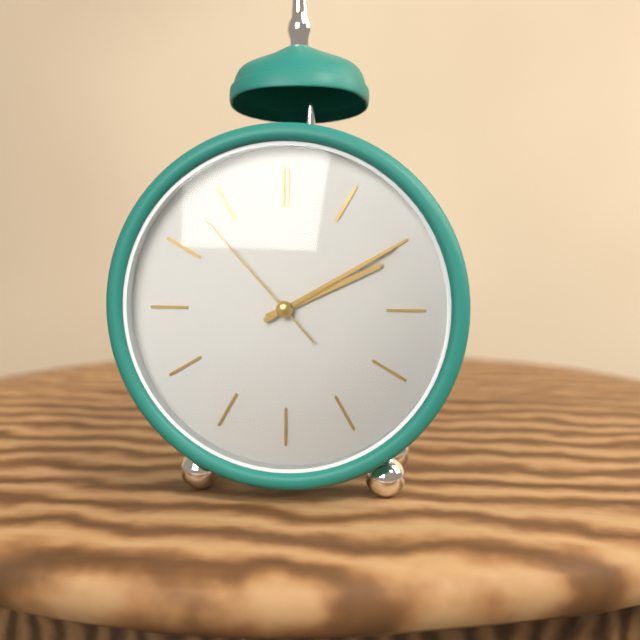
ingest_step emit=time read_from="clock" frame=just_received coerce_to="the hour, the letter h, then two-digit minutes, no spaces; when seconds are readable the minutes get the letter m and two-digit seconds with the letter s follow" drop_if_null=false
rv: 2h10m53s
